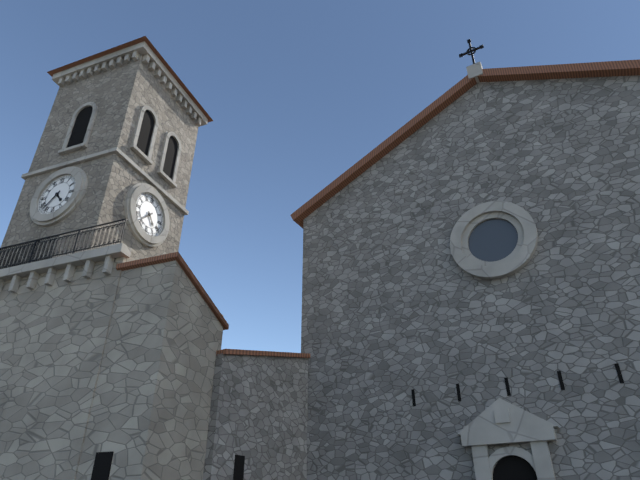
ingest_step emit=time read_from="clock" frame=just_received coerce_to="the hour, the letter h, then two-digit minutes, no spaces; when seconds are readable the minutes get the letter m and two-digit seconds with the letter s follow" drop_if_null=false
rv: 4h37
